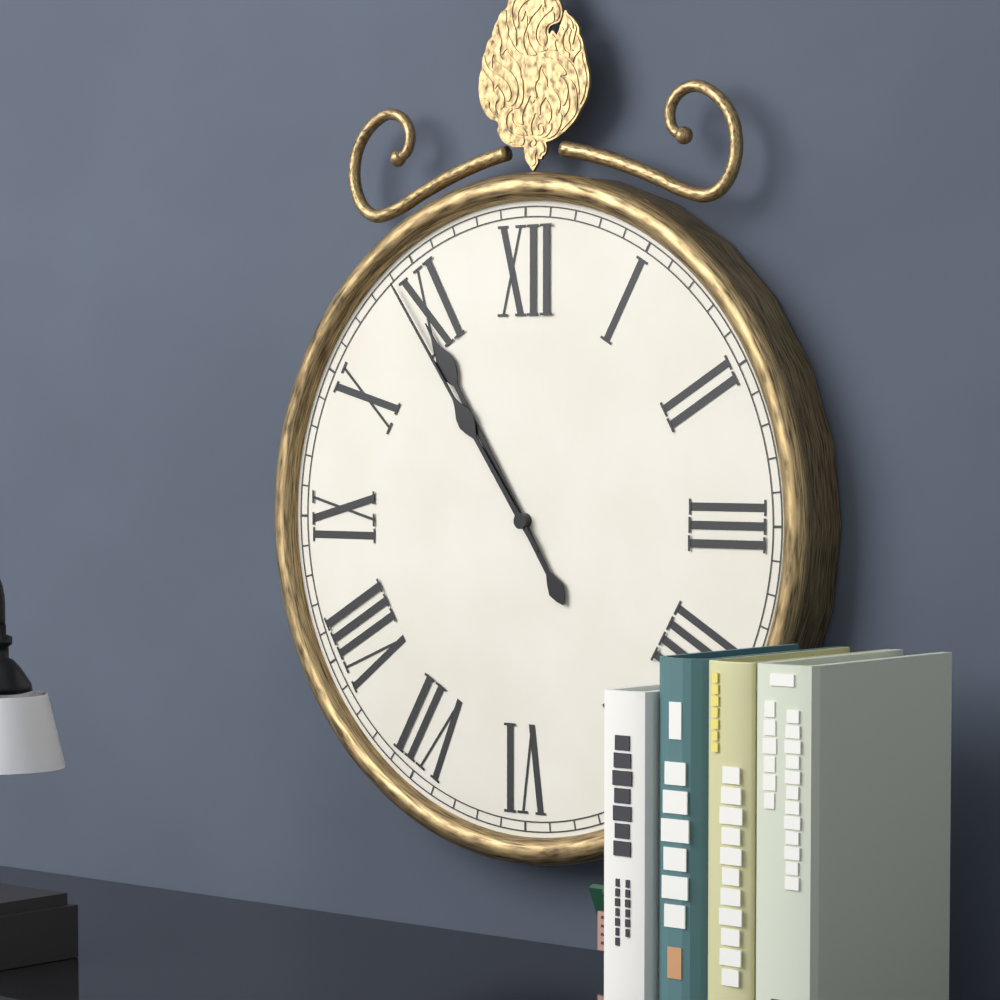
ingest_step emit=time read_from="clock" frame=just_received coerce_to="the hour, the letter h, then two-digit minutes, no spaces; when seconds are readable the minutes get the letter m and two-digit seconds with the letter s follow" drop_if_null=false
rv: 10h54
